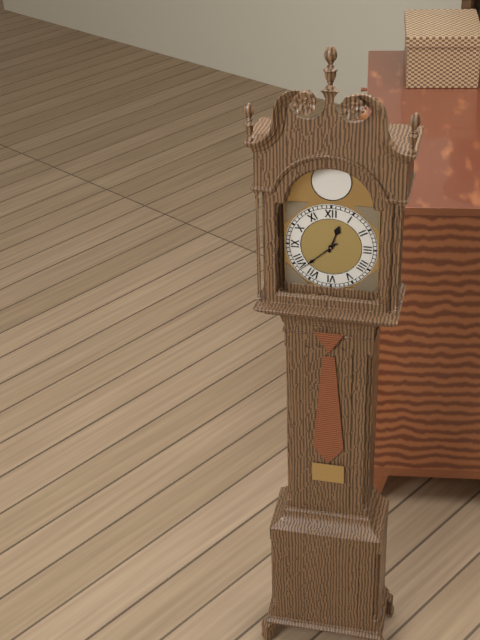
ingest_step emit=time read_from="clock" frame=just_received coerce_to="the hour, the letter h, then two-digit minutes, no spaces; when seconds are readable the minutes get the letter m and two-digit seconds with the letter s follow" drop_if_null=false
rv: 12h38
